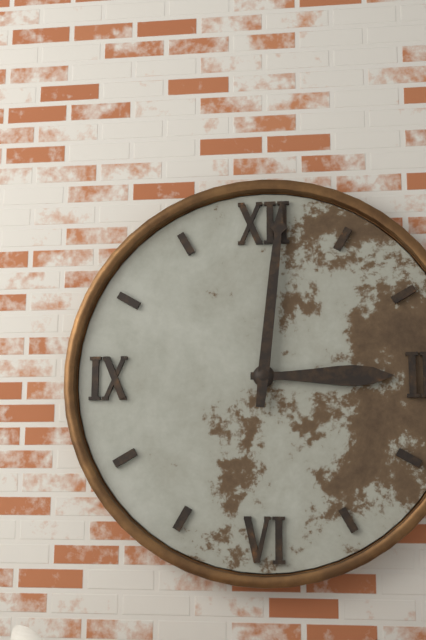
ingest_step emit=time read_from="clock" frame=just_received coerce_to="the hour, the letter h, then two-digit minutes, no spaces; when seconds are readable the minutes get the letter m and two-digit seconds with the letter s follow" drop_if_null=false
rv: 3h01
